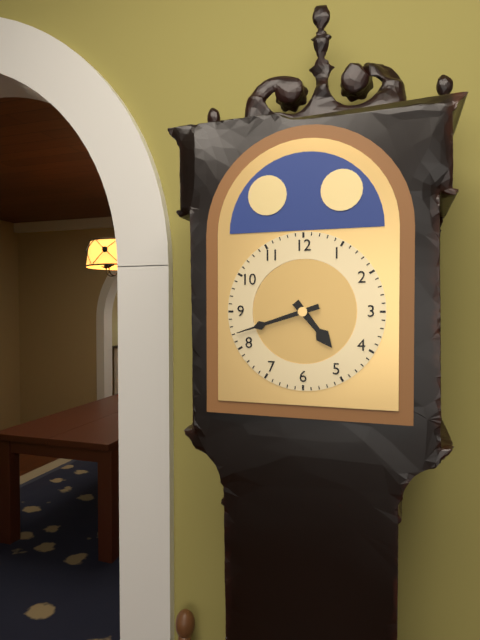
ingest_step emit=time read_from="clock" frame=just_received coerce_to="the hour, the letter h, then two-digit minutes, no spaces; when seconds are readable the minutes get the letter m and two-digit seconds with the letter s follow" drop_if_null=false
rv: 4h42
